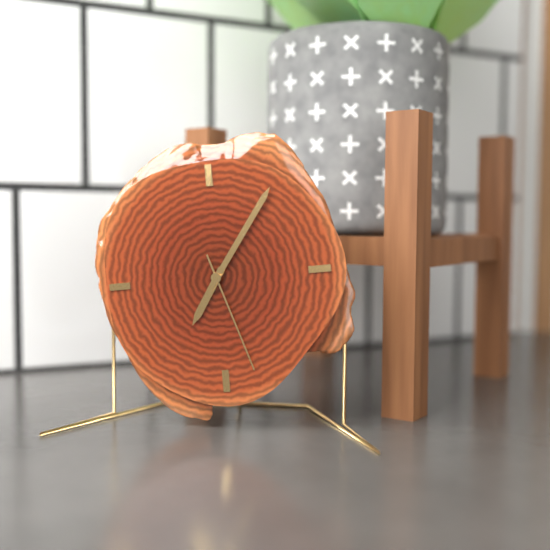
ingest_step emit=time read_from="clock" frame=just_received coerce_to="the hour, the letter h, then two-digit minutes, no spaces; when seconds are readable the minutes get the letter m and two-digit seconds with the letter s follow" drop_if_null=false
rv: 7h06m27s
